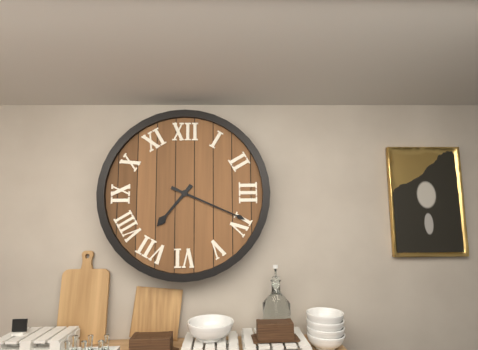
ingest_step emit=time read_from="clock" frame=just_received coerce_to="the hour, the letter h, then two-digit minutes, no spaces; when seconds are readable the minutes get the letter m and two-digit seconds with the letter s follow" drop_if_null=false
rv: 7h19
